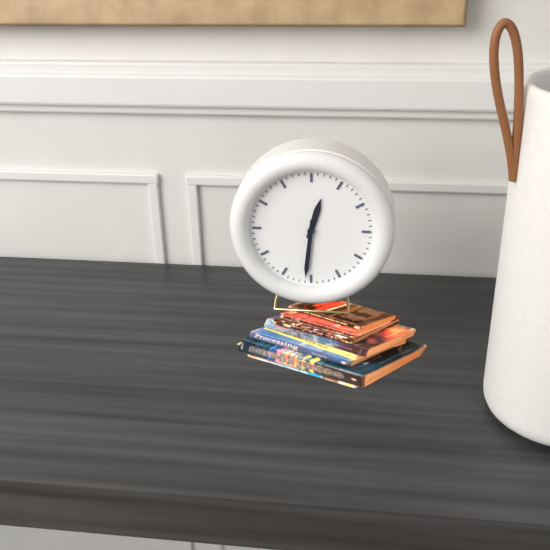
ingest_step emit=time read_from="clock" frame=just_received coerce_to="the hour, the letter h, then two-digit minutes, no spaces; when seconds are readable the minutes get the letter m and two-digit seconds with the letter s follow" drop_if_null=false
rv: 12h31
